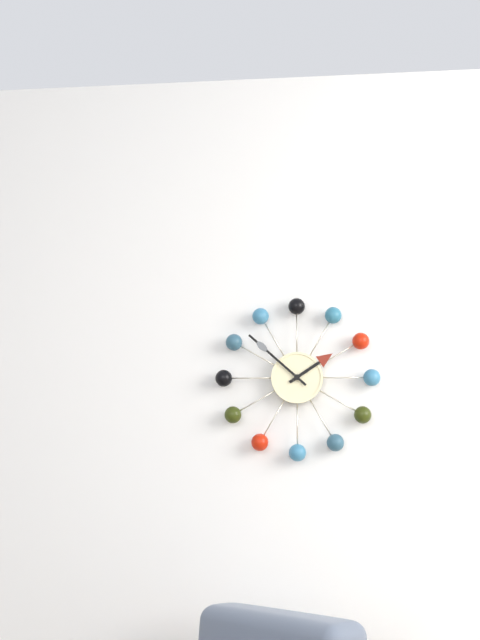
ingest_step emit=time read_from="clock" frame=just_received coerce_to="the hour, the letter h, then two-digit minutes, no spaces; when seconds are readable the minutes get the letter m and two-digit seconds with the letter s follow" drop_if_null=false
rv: 1h52
